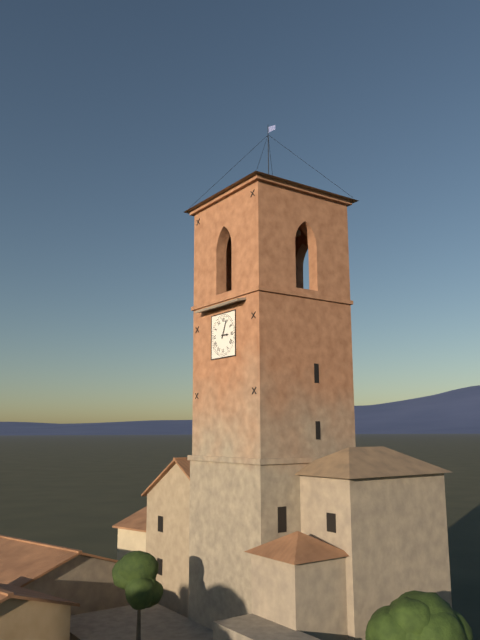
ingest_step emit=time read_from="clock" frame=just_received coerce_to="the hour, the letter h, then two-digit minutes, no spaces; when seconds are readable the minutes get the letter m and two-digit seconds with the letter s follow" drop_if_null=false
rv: 3h04
